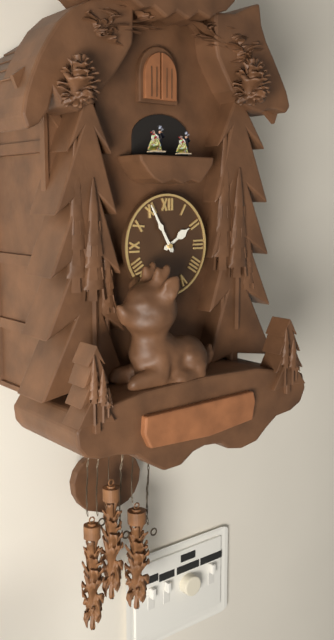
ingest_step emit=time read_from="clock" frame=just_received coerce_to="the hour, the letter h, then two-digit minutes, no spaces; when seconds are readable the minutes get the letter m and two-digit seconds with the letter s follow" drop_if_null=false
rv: 1h55
